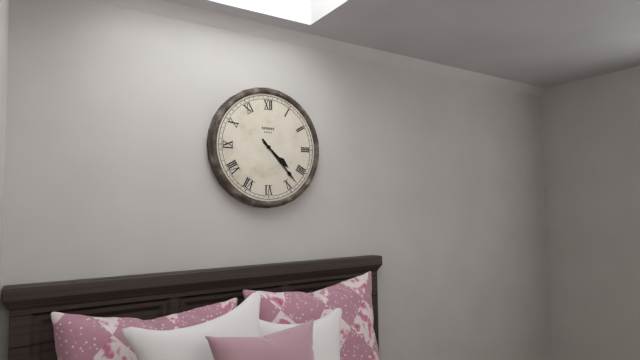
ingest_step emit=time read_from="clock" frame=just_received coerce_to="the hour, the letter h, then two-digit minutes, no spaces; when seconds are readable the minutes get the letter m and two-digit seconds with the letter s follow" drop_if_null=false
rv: 4h23
